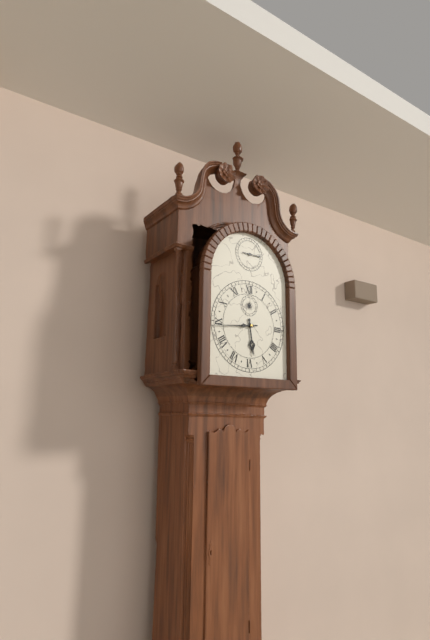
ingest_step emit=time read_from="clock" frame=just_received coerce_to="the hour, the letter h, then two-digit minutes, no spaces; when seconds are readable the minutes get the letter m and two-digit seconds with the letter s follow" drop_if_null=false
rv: 5h44
